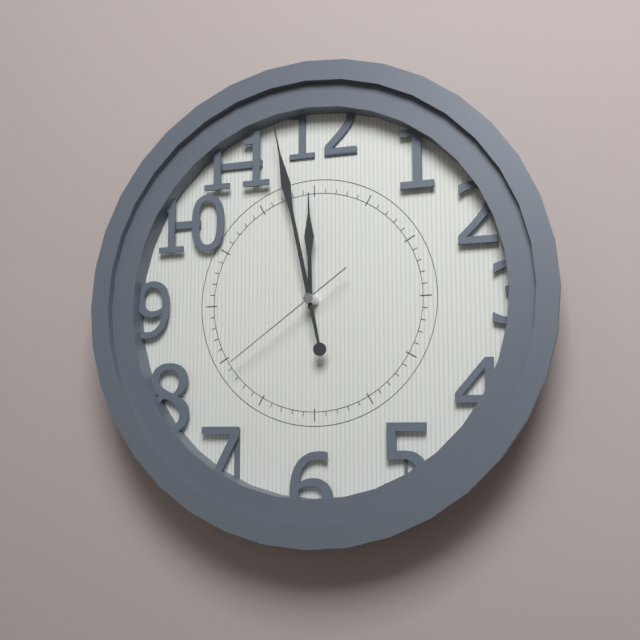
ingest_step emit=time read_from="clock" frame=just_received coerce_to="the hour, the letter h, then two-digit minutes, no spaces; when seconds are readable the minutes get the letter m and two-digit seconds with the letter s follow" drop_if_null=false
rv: 11h58m39s
